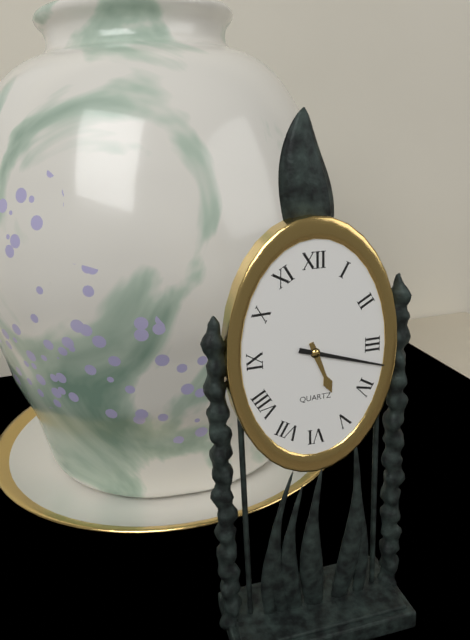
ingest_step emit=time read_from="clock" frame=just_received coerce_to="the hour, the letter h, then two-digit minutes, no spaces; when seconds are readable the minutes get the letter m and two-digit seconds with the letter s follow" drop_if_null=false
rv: 5h18
